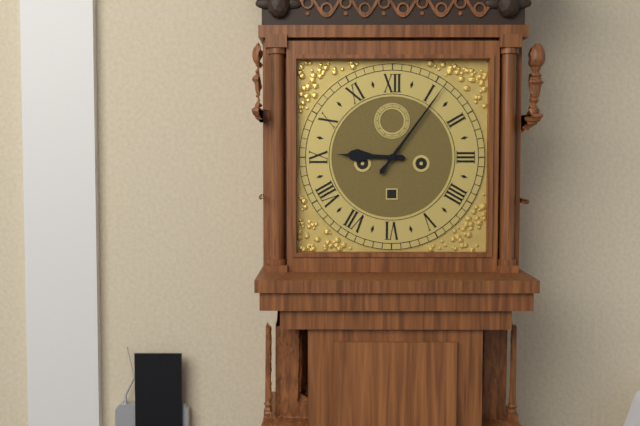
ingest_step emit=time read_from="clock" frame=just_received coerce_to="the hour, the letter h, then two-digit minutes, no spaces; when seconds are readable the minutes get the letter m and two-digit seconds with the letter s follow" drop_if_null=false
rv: 9h06
